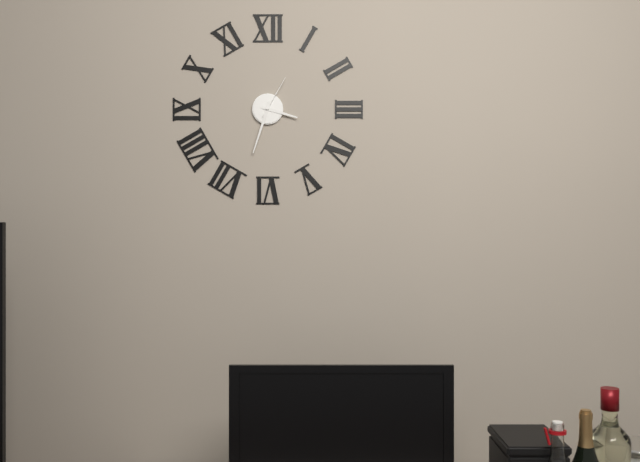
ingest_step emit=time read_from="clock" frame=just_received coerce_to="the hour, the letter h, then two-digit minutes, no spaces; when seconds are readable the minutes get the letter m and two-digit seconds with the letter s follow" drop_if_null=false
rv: 3h33
